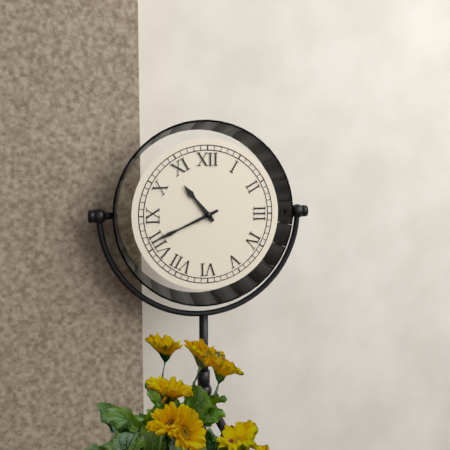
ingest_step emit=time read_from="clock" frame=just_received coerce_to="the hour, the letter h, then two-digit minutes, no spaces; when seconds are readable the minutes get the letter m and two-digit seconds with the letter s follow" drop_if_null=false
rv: 10h41
